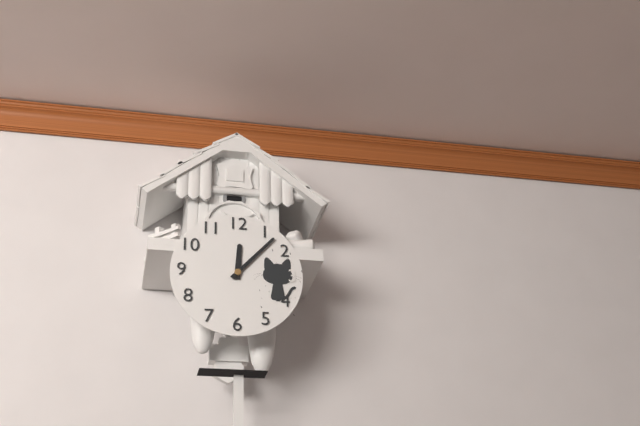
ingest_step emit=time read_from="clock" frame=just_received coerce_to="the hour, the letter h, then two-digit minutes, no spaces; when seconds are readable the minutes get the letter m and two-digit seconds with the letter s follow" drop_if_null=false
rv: 12h07
